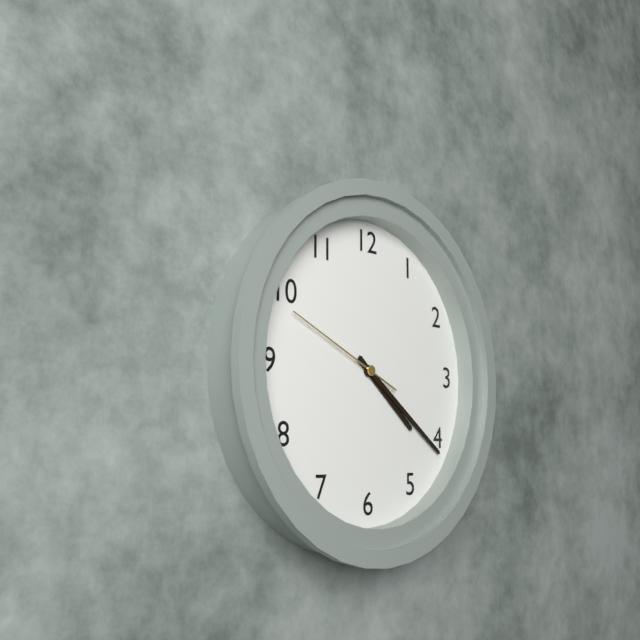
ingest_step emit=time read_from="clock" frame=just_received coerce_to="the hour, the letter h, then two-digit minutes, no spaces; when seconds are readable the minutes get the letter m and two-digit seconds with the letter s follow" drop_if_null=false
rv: 4h21m49s
